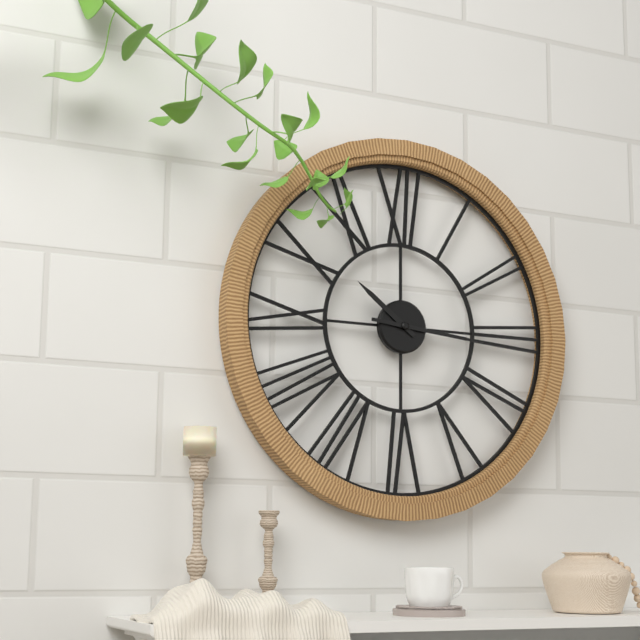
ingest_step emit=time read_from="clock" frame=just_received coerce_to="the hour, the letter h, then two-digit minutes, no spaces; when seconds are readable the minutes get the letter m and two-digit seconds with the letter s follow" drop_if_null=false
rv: 10h16
